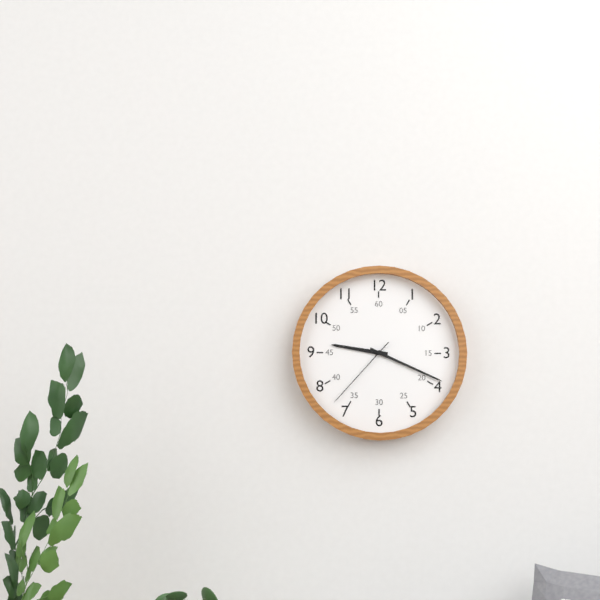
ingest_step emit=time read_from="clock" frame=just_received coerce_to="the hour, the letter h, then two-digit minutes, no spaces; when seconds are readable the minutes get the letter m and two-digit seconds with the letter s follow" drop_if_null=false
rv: 9h19m37s
